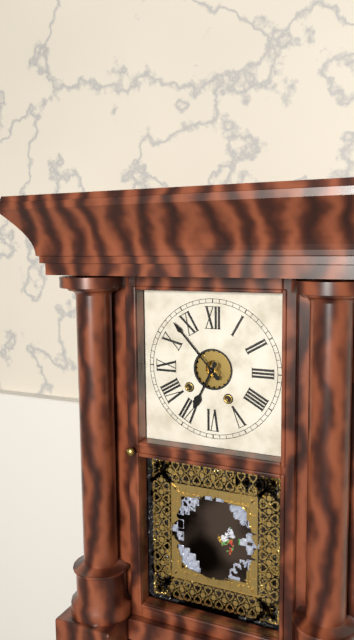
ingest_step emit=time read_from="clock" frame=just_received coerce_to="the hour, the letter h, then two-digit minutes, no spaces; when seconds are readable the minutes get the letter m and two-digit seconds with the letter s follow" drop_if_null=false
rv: 6h53
